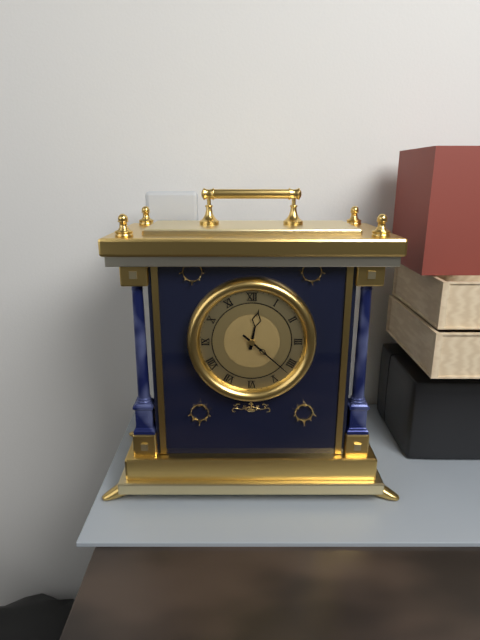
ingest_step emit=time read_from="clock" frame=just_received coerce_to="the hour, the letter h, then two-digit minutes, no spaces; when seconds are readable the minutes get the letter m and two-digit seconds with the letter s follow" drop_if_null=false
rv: 12h22
